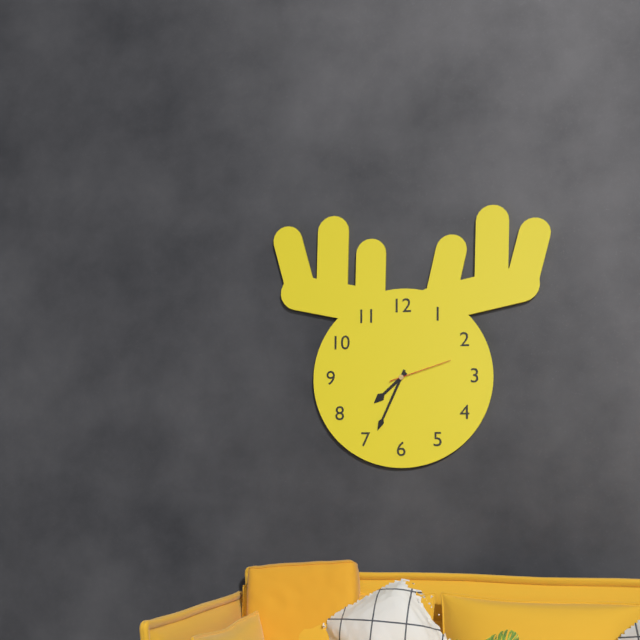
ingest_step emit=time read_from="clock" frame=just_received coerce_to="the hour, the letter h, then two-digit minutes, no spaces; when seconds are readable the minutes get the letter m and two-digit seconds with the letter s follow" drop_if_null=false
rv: 7h34m12s
